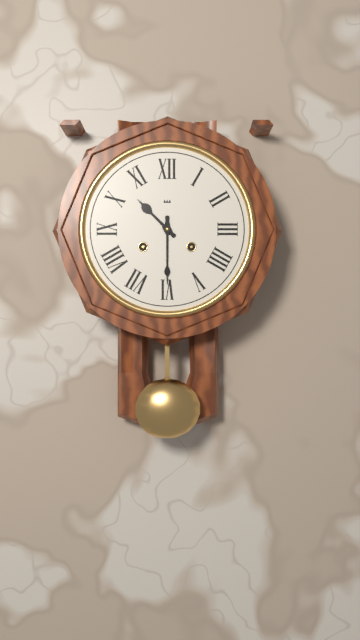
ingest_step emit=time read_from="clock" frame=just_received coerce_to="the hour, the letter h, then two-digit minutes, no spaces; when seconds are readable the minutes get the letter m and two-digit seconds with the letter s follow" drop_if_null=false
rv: 10h30
